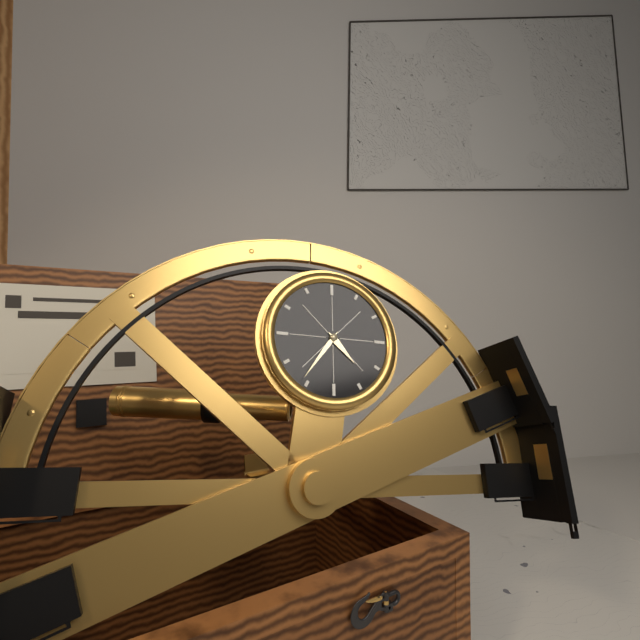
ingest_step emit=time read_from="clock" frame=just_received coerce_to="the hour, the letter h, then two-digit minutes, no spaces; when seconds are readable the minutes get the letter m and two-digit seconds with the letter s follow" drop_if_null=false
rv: 4h36
